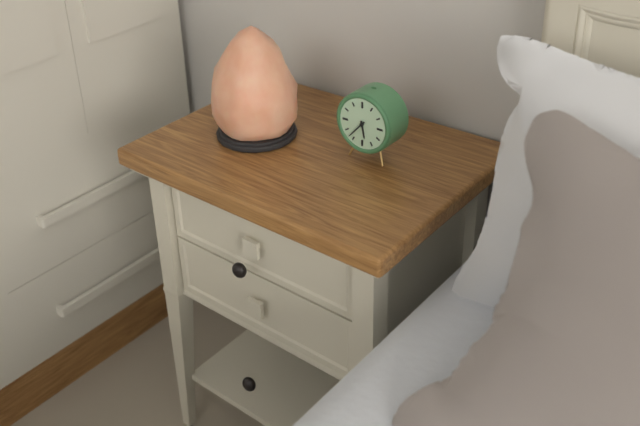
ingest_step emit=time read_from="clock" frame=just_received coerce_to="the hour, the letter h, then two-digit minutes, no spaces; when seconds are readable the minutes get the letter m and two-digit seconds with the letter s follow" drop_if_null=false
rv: 5h37
